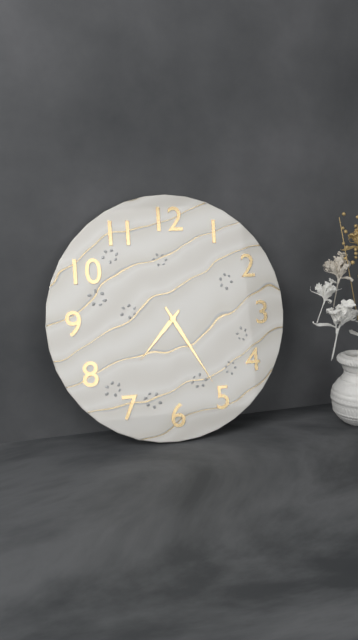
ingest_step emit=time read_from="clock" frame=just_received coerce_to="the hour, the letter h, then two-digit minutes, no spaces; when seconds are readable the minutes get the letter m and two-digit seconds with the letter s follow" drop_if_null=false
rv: 7h25
